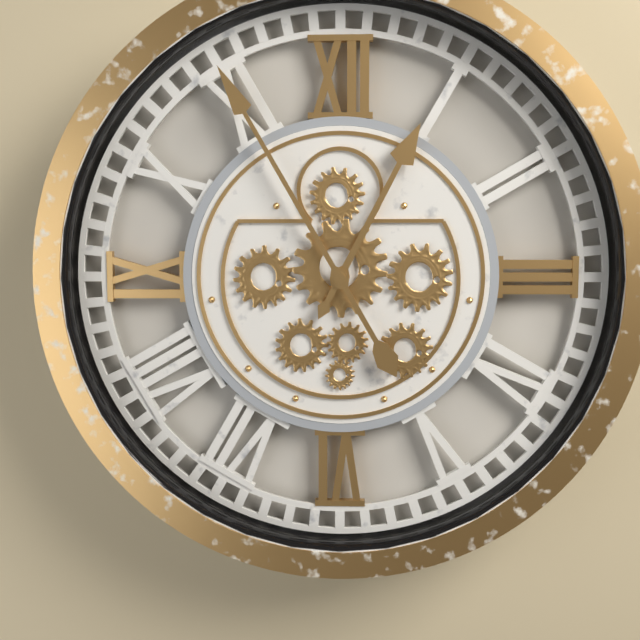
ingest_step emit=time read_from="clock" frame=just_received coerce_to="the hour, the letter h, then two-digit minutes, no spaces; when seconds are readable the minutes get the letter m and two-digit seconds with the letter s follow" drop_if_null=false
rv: 12h55
